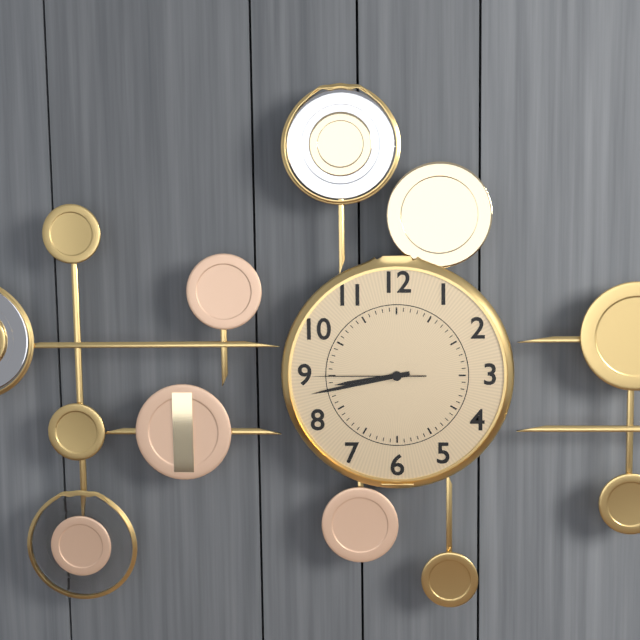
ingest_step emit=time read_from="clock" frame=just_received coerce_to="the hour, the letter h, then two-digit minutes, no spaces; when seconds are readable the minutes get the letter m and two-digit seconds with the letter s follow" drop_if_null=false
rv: 8h43m45s
